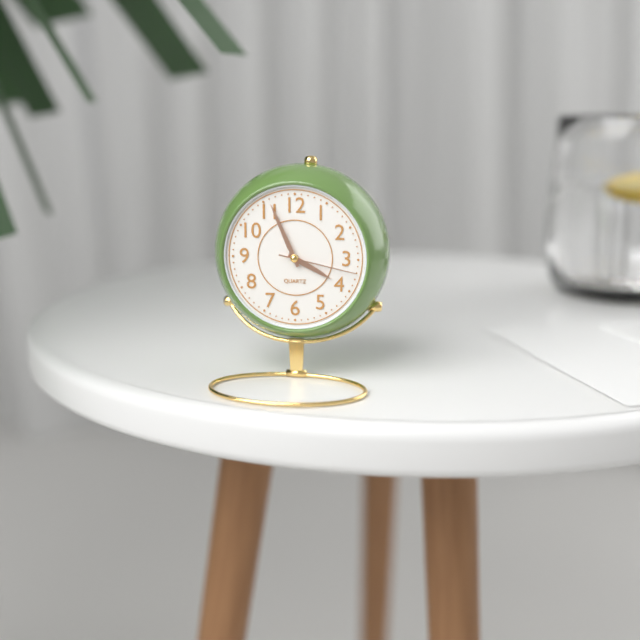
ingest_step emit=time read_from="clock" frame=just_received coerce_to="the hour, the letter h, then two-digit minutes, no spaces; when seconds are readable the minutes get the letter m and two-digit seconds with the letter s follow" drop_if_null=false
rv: 3h56m17s
